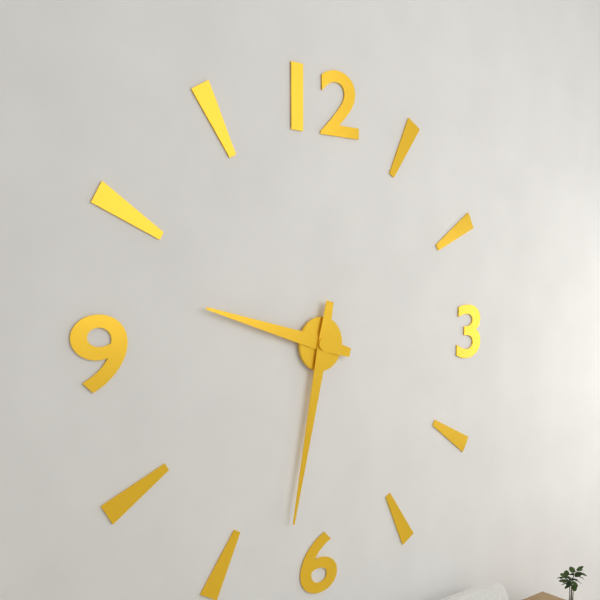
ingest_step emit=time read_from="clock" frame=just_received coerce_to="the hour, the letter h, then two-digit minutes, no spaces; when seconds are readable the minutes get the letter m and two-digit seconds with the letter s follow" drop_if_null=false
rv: 9h32
